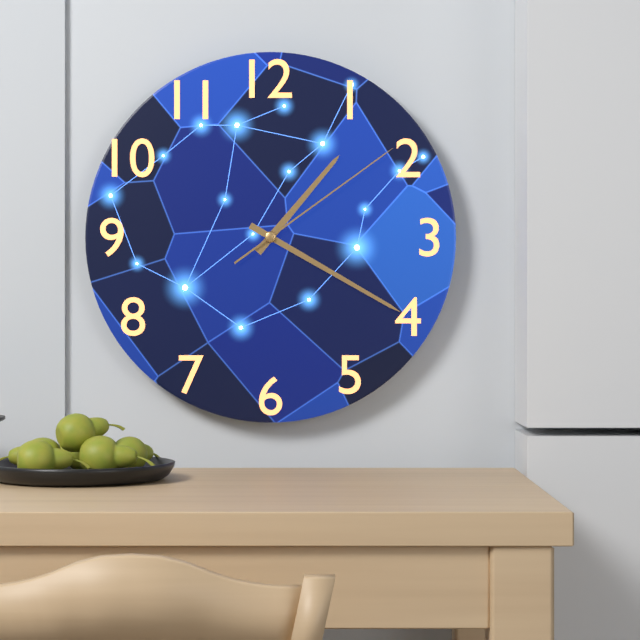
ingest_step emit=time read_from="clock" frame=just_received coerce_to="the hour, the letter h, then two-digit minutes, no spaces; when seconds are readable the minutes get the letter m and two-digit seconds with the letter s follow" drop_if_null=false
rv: 1h20m09s
